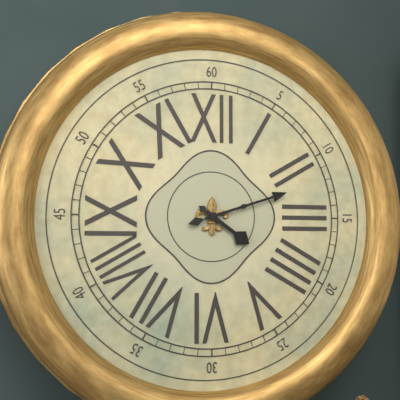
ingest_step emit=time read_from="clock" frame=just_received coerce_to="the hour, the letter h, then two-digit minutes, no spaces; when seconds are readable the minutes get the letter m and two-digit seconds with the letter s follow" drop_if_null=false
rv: 4h12
